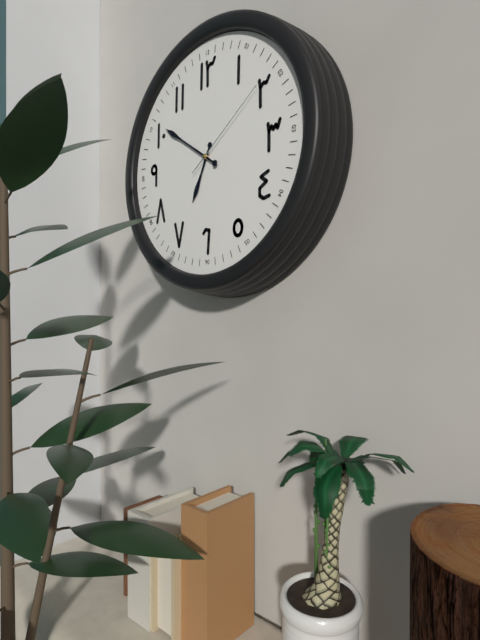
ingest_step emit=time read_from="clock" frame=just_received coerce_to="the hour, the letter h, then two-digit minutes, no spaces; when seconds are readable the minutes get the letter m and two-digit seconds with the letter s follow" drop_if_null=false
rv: 6h51m09s
